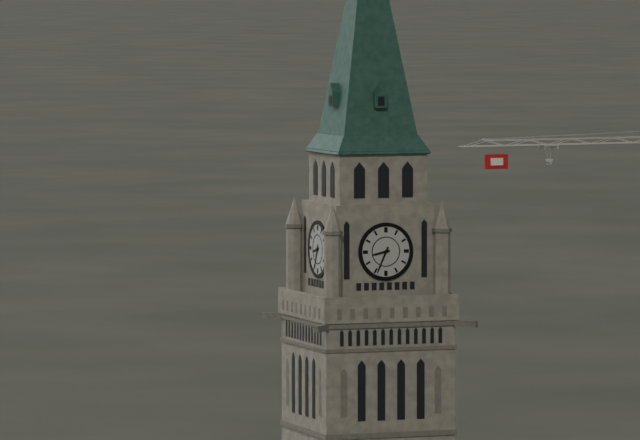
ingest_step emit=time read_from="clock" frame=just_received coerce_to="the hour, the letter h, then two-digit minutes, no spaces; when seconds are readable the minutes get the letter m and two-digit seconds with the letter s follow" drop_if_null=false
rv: 8h34
